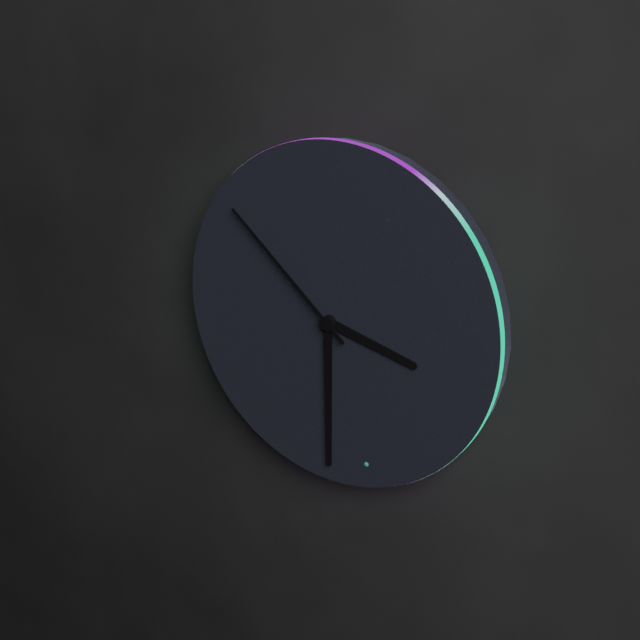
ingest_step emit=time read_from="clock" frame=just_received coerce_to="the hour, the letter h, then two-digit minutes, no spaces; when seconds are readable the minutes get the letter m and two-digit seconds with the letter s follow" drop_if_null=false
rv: 3h30m52s
